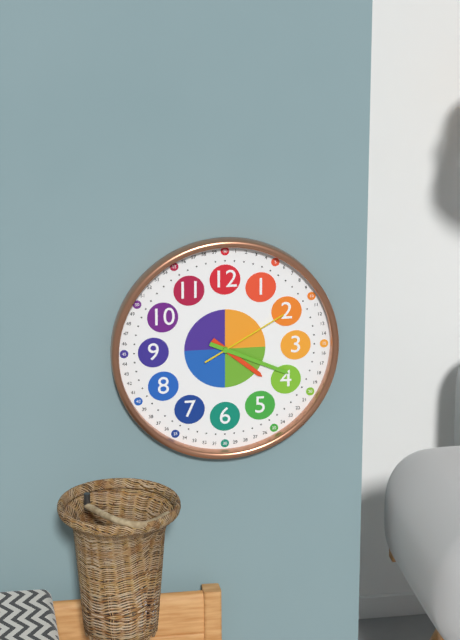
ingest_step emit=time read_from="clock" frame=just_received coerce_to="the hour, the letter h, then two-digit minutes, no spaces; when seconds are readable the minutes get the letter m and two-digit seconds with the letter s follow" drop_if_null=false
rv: 4h19m10s
